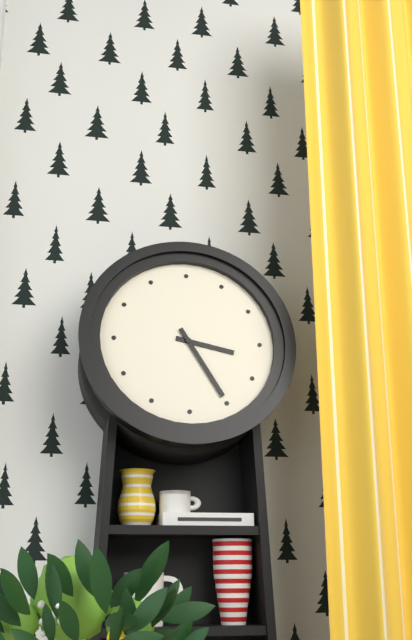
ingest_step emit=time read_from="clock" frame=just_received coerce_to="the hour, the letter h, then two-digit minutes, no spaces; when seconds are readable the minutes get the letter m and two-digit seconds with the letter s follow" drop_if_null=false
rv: 3h25
